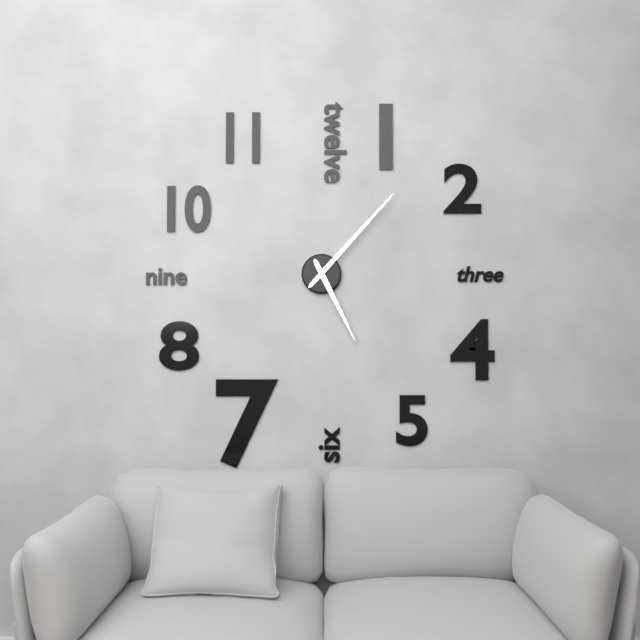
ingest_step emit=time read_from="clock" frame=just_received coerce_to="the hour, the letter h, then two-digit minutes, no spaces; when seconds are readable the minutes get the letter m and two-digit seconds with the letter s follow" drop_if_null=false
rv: 5h07
